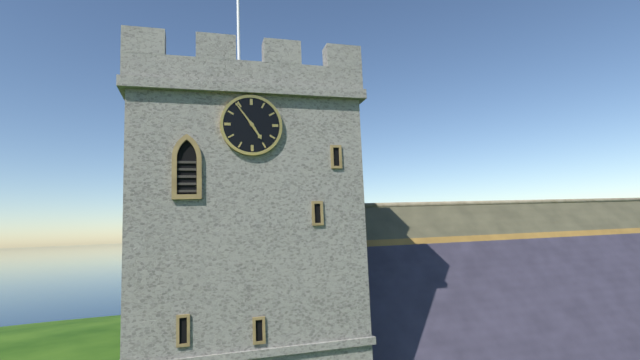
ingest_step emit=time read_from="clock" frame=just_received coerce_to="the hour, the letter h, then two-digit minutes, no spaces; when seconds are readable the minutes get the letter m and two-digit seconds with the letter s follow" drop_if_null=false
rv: 4h54
